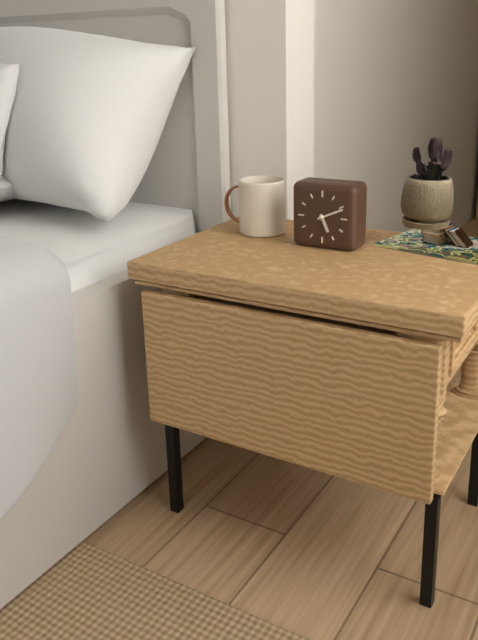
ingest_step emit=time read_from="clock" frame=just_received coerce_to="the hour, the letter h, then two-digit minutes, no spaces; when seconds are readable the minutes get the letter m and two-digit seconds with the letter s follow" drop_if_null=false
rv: 5h11
